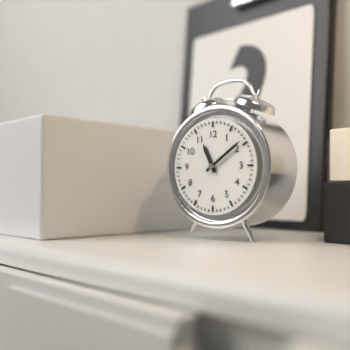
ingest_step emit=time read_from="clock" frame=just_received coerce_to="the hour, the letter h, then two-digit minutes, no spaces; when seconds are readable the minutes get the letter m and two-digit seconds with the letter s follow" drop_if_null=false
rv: 11h09
